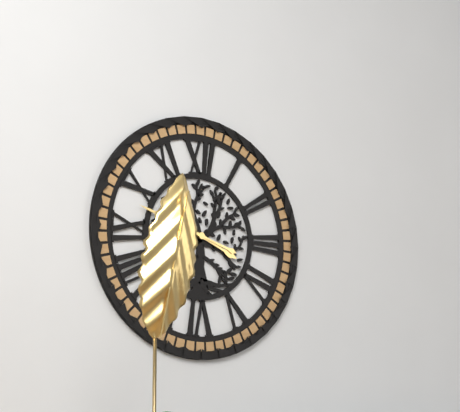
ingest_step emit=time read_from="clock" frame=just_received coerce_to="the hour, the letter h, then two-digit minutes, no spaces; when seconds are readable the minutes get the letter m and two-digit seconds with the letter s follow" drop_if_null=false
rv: 3h48
